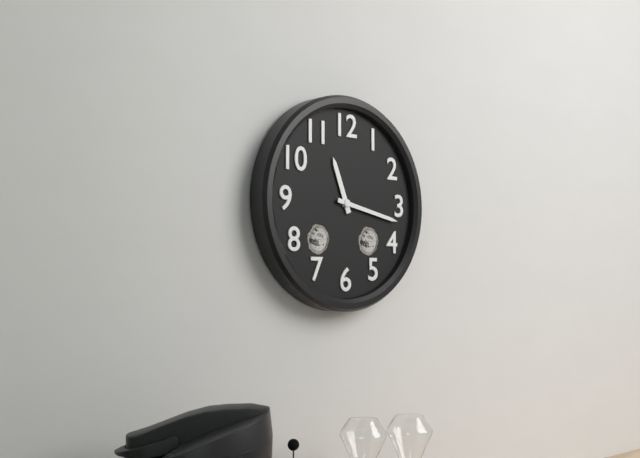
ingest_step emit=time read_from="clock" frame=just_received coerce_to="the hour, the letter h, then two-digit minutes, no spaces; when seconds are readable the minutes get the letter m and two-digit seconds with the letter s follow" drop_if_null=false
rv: 11h17
